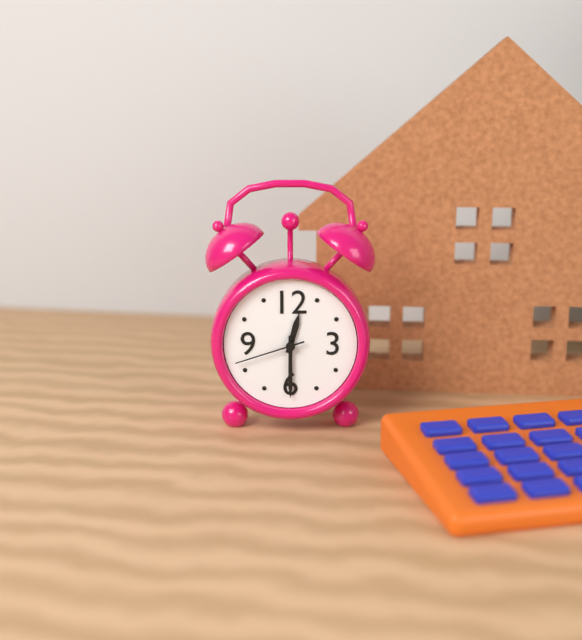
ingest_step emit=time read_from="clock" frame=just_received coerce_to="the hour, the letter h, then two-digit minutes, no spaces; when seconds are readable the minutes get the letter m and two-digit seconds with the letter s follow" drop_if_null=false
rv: 12h30m42s
